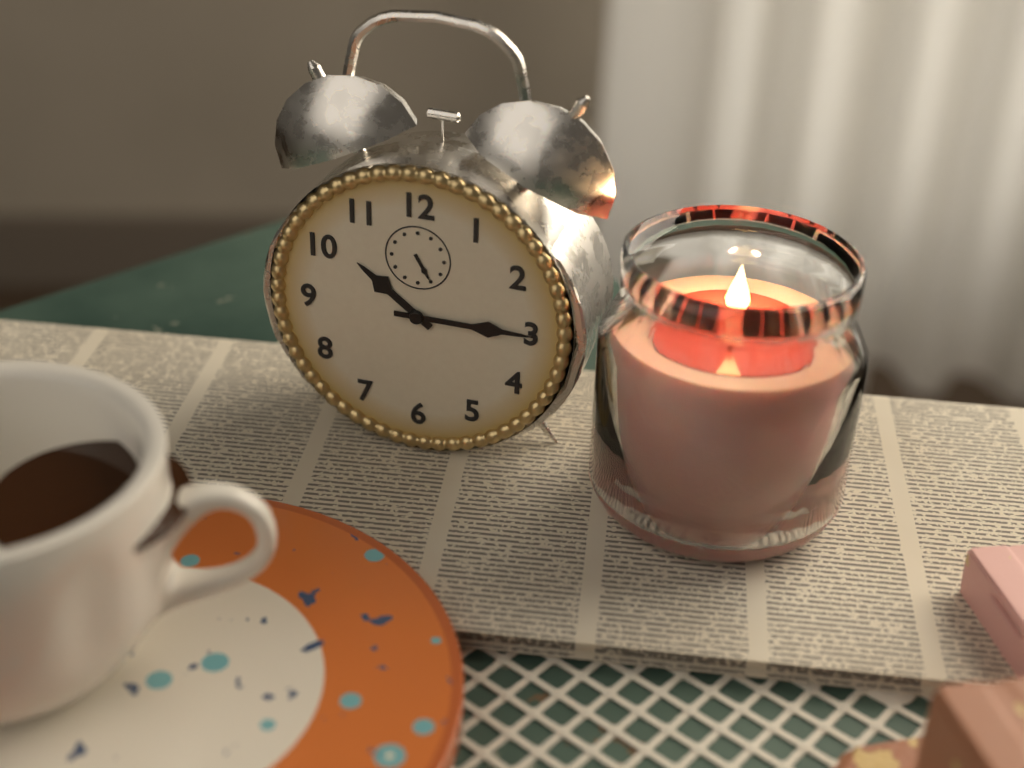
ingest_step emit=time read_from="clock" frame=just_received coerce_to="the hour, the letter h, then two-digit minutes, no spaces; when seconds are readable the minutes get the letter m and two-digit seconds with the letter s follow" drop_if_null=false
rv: 10h15
